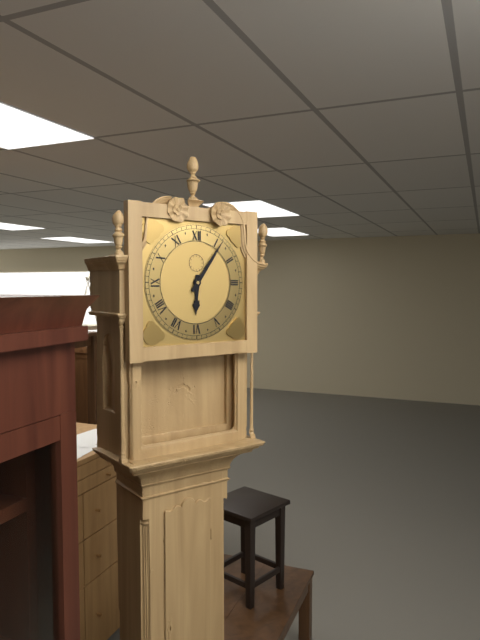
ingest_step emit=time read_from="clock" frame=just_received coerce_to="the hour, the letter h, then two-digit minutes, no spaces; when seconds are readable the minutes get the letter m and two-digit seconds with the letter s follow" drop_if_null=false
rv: 6h06
